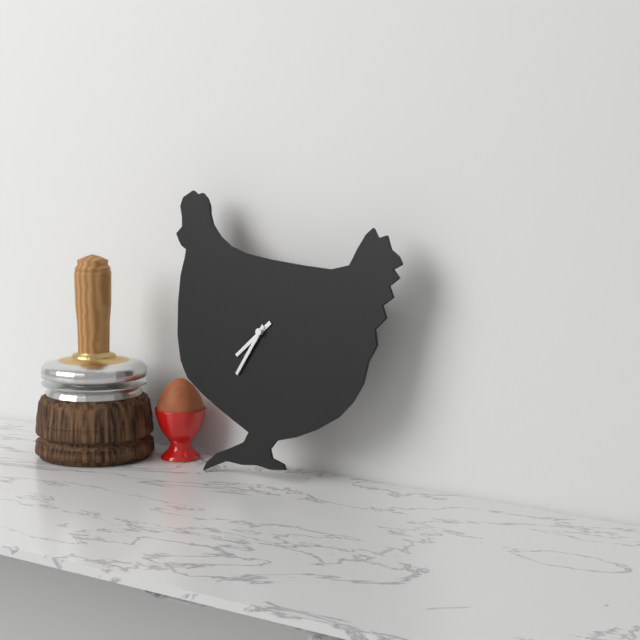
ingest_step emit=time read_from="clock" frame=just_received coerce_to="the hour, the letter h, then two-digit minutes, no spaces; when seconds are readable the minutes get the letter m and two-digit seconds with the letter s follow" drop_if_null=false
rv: 7h35
